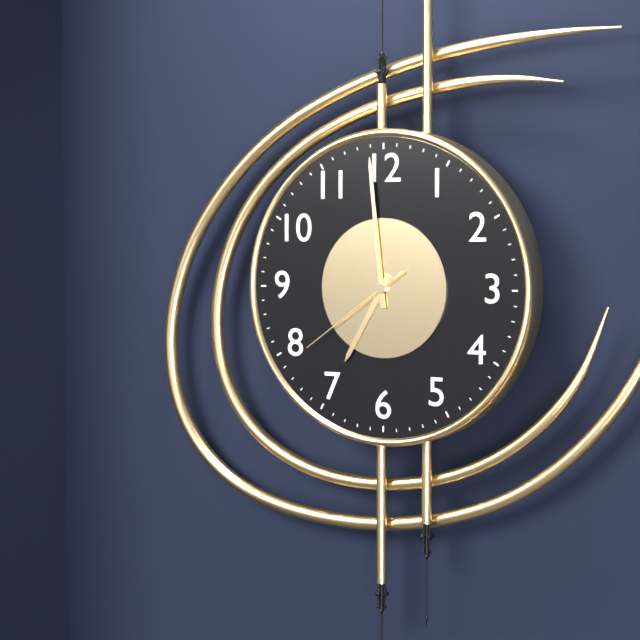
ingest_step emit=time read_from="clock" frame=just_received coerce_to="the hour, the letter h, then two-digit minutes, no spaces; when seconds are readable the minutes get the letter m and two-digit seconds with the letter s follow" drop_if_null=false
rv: 6h59m39s
